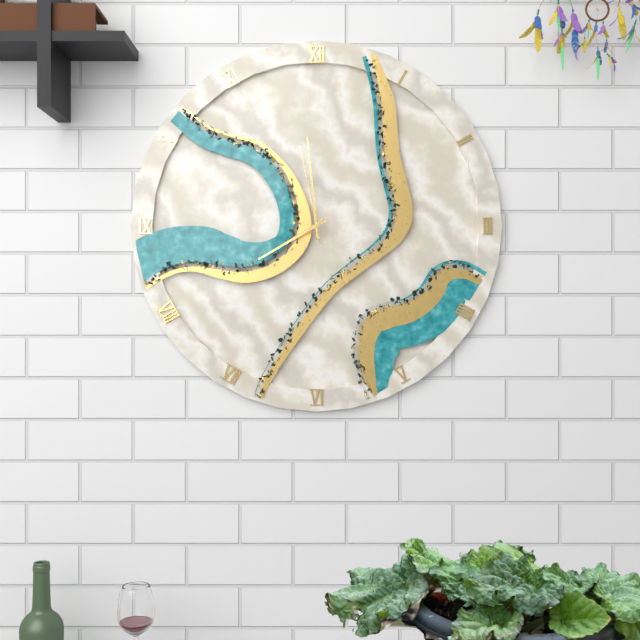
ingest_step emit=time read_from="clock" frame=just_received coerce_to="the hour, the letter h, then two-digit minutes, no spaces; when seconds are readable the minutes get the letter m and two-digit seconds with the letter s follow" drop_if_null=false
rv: 7h59m58s
